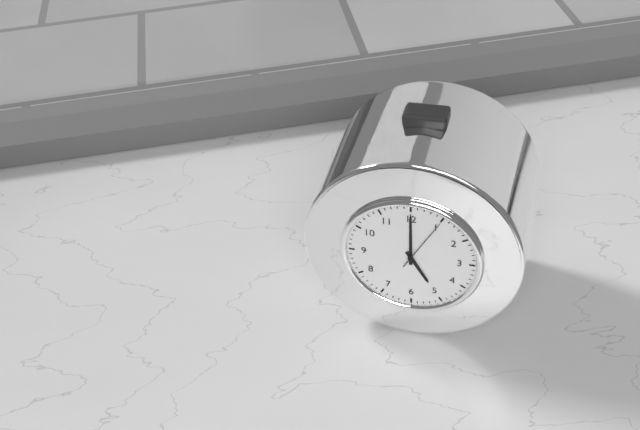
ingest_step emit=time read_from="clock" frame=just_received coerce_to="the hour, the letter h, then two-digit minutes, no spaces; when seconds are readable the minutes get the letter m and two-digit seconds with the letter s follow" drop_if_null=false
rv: 5h00m05s
